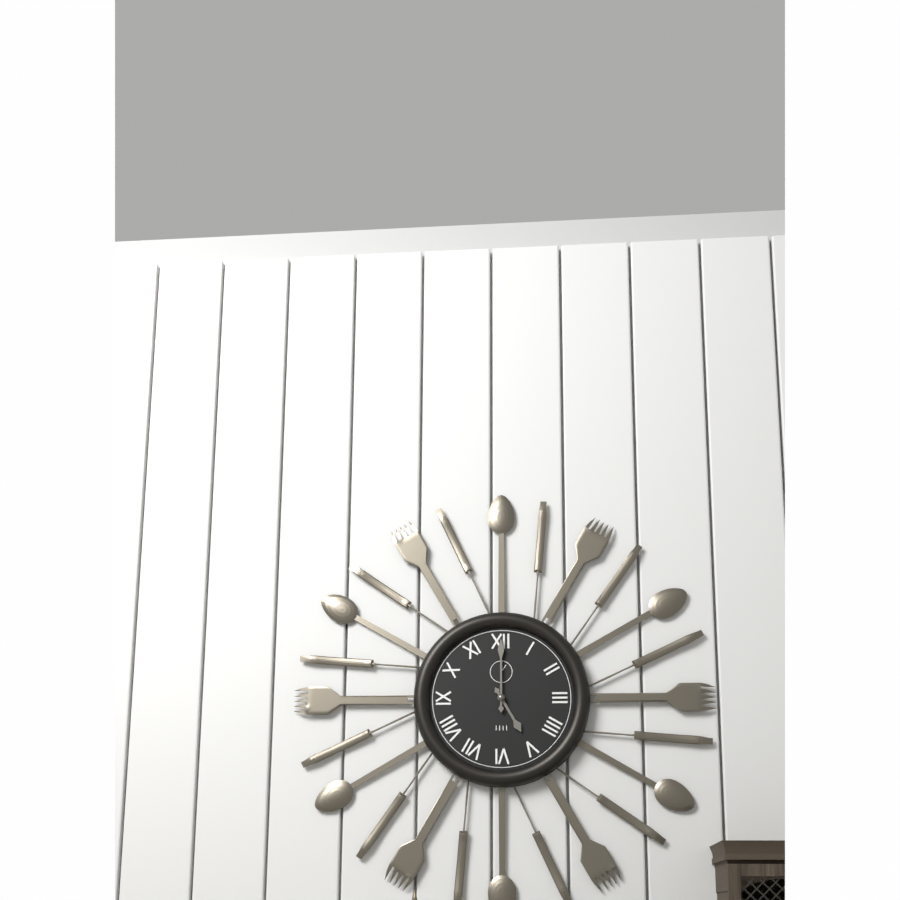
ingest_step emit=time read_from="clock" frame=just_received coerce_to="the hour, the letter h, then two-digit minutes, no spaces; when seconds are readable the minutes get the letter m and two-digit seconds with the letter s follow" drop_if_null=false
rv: 5h00
